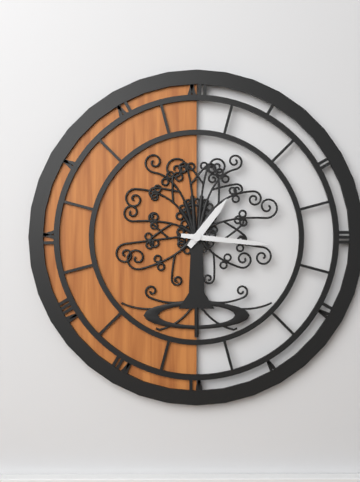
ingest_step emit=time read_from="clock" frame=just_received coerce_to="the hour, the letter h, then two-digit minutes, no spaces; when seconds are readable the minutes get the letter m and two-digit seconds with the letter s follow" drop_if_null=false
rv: 1h16
